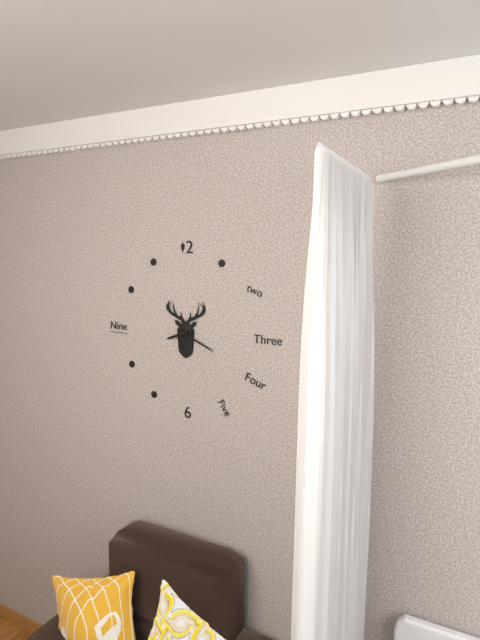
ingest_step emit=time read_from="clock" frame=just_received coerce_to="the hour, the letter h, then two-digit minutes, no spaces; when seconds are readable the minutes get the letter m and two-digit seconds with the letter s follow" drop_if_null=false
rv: 8h19
